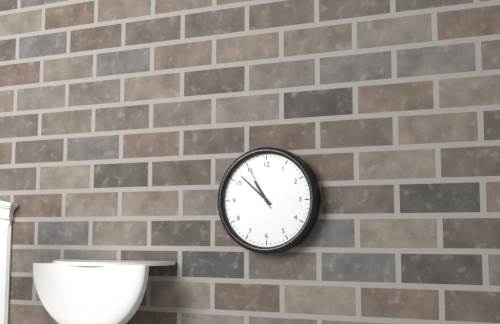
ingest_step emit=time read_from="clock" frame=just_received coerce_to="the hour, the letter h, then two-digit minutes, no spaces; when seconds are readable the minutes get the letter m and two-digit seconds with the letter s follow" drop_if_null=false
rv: 10h52m55s
